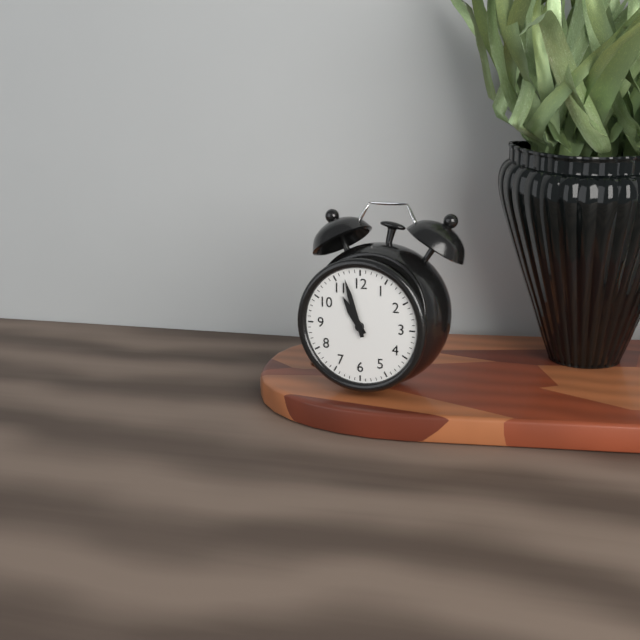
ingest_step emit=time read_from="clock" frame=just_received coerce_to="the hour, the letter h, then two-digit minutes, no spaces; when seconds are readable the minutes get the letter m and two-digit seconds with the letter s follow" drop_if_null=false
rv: 10h57
